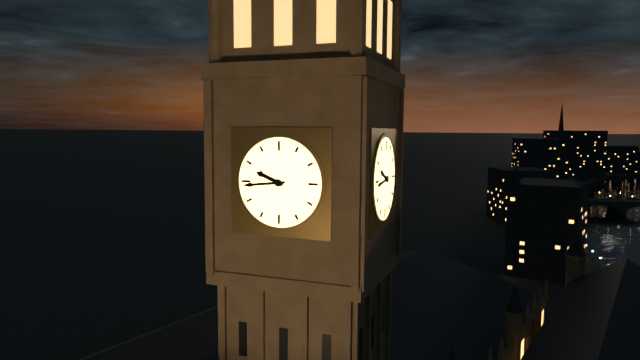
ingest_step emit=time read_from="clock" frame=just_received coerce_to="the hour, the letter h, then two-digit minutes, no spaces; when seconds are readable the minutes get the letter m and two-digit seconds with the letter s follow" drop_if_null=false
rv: 9h44
